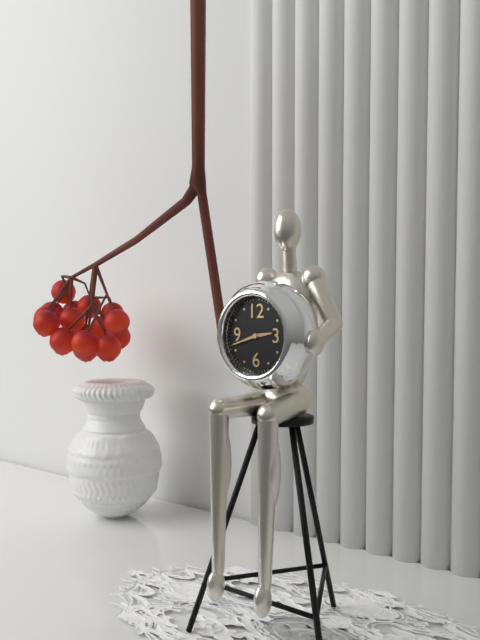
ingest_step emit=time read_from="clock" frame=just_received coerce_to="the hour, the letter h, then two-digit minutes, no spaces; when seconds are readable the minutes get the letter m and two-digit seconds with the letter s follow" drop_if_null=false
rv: 2h42
